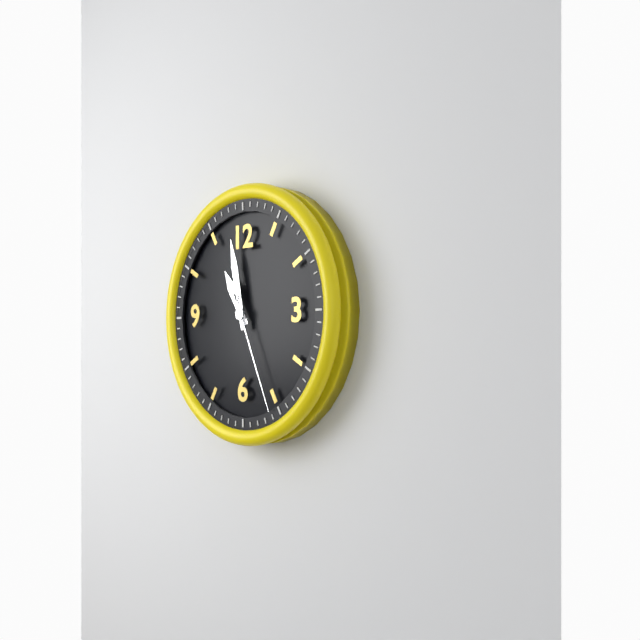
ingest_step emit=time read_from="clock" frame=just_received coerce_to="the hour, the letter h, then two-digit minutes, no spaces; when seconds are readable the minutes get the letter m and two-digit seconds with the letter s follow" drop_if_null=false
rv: 10h58m26s
